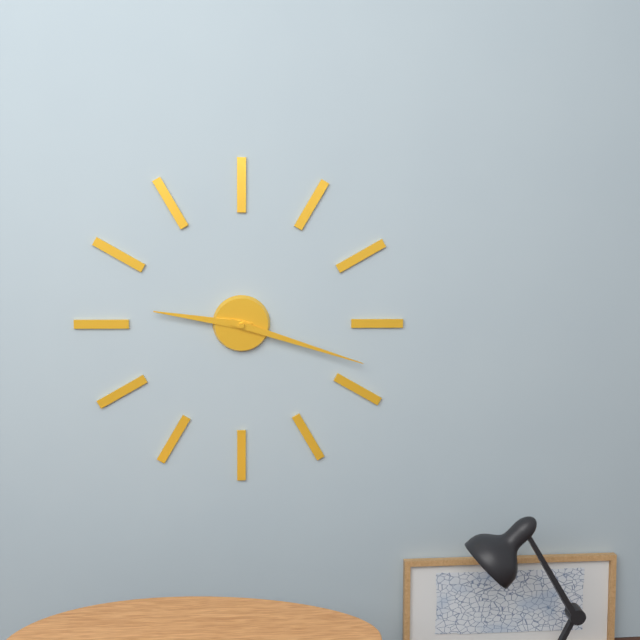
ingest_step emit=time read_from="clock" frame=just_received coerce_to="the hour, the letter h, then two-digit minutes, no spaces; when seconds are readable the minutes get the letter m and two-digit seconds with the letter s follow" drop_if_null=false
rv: 9h18
